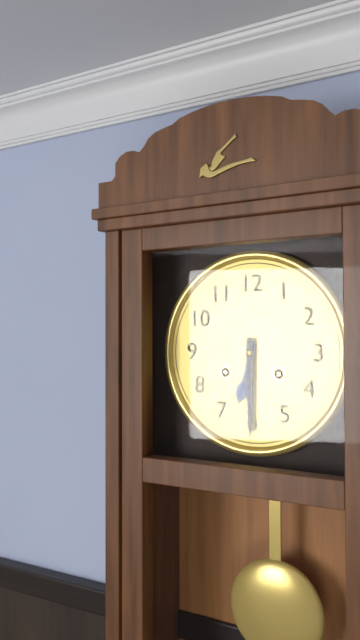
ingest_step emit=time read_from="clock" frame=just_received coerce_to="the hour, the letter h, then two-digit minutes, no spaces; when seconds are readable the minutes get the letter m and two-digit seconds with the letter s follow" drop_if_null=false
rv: 6h30
